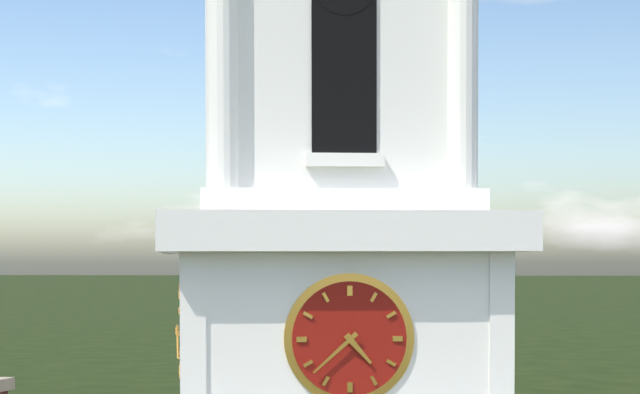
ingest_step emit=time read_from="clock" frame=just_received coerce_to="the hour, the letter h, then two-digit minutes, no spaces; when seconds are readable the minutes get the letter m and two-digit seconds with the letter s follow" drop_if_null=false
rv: 4h38
